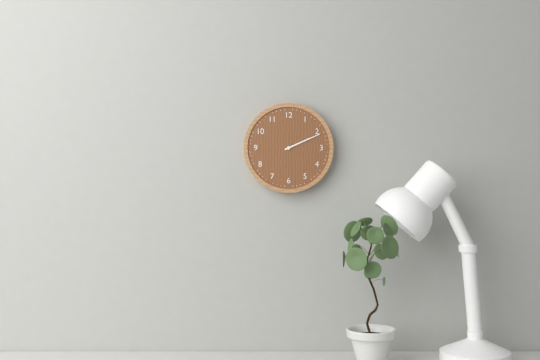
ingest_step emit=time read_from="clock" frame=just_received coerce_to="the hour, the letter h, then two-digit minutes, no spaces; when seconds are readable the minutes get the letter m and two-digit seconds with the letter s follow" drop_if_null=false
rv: 2h11
